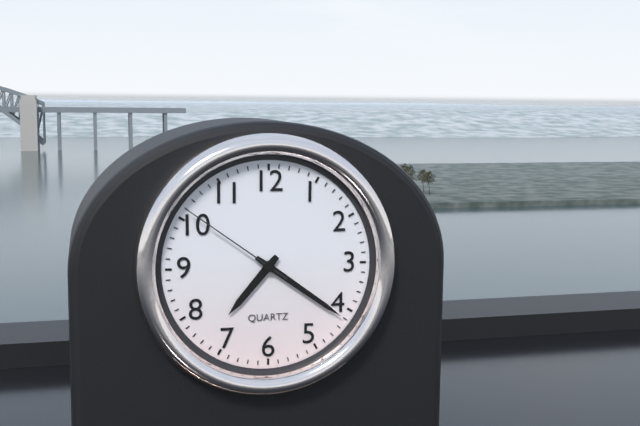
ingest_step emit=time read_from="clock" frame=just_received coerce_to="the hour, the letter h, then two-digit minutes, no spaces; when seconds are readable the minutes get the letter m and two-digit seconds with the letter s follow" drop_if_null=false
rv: 7h21m51s
